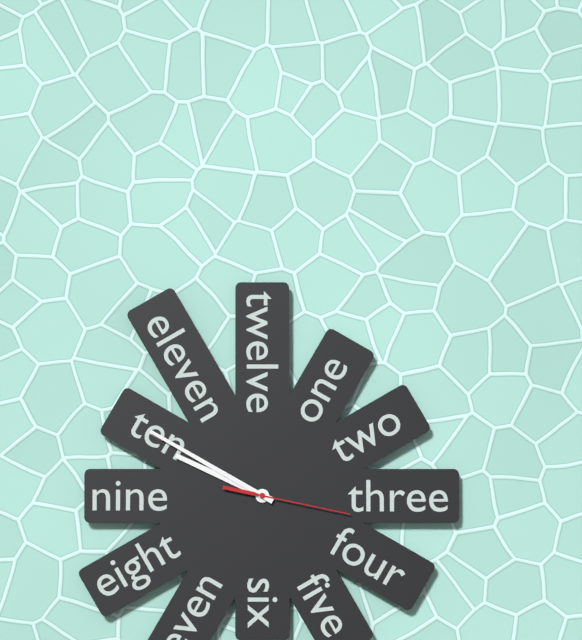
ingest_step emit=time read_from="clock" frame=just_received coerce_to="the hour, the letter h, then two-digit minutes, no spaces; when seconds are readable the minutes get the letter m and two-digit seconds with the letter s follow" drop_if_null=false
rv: 9h50m17s
